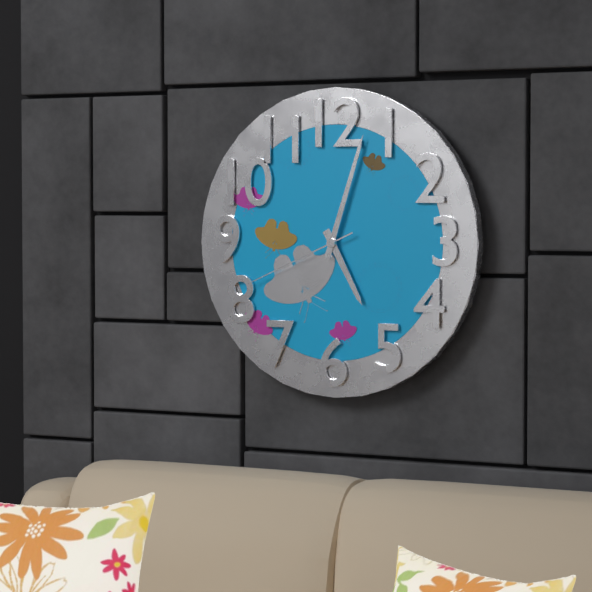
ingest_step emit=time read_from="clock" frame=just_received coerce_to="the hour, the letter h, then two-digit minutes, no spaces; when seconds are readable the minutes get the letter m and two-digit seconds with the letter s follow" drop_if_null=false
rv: 5h03m41s
